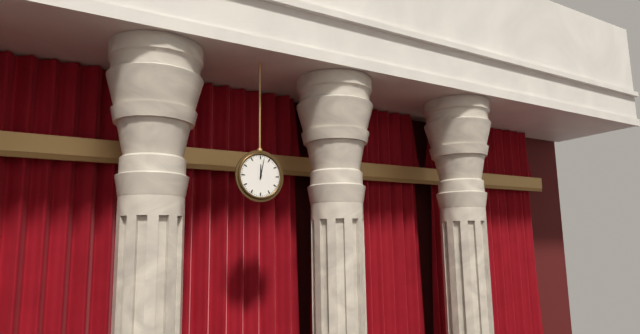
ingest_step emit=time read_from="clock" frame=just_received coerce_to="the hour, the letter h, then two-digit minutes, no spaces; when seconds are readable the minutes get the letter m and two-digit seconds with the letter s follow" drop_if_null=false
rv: 12h02
